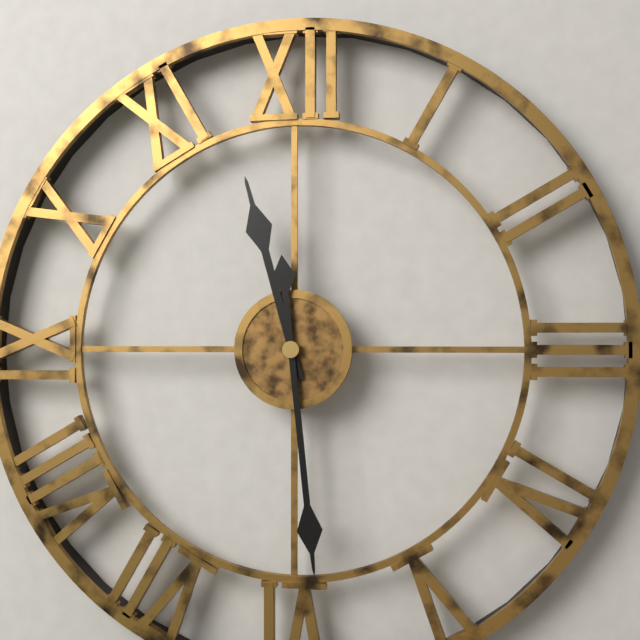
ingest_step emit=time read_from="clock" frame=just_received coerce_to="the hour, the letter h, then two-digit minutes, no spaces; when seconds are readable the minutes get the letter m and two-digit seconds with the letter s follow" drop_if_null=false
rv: 11h29
